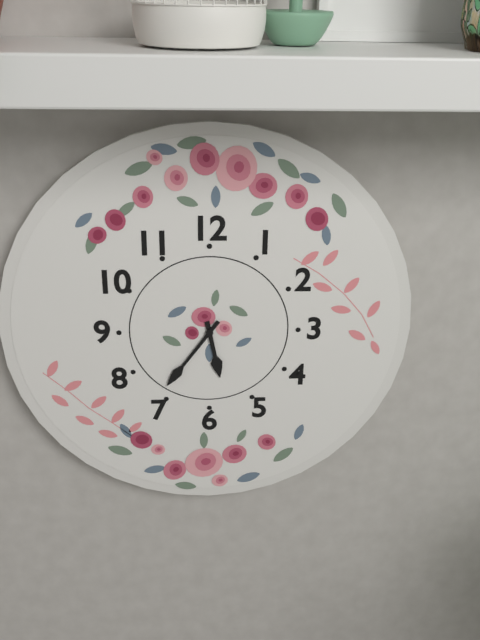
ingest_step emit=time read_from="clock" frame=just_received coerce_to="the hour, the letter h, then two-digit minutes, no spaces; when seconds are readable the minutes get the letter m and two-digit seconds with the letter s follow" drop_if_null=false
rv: 5h36
